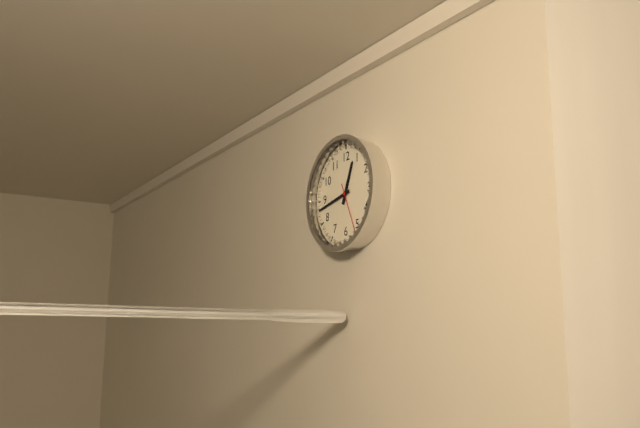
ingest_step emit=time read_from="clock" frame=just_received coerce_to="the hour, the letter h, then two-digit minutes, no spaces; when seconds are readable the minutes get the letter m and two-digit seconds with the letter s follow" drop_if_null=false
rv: 12h43m26s
